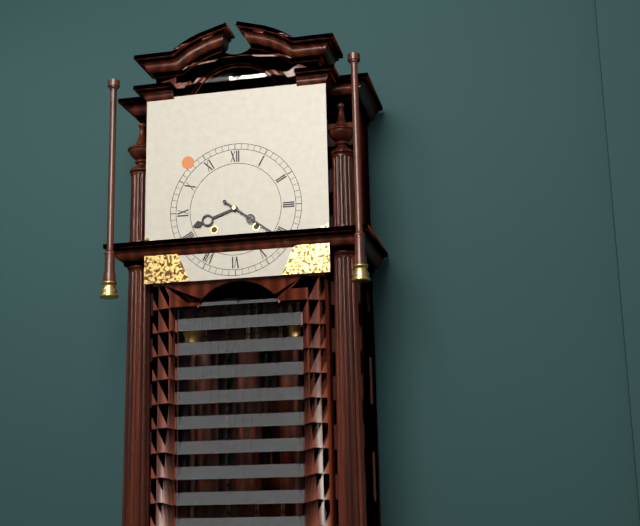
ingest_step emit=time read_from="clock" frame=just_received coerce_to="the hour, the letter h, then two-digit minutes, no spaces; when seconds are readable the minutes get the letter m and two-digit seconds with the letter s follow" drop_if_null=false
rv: 8h21
